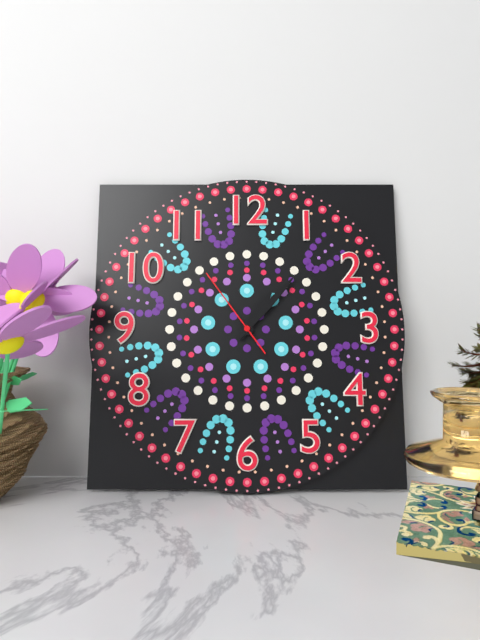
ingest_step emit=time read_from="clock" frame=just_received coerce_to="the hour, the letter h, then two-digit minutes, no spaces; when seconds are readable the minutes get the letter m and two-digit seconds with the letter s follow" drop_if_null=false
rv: 1h07m54s
